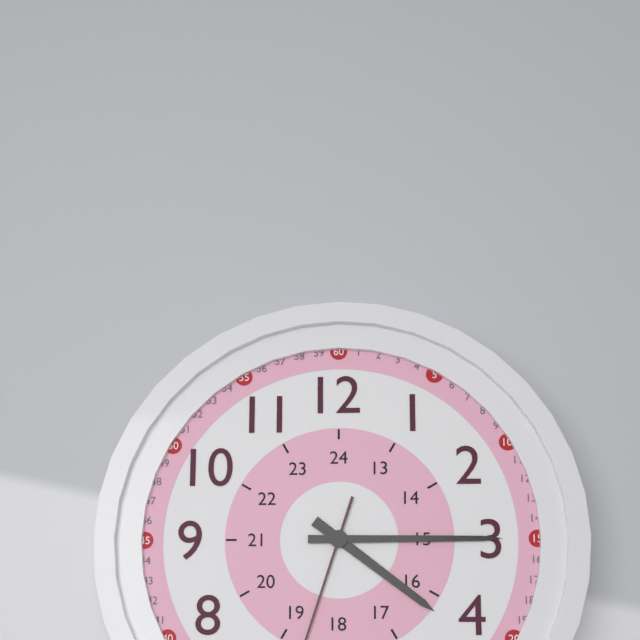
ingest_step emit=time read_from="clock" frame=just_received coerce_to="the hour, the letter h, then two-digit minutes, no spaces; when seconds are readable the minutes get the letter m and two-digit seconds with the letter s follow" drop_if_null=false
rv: 4h15
